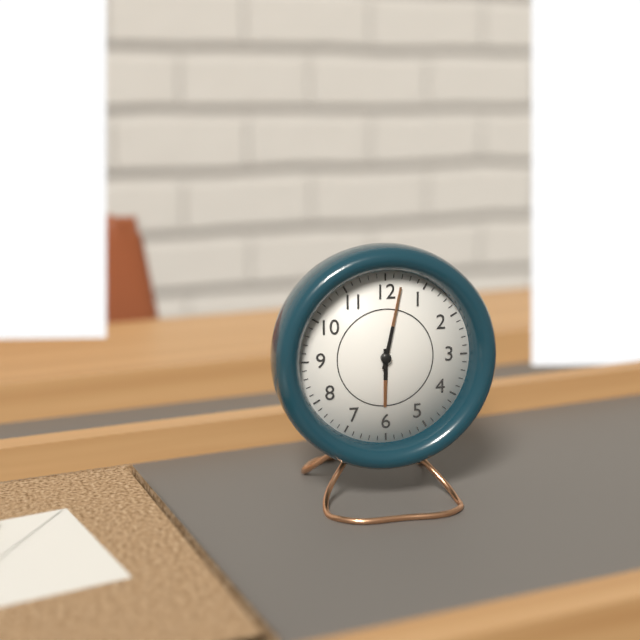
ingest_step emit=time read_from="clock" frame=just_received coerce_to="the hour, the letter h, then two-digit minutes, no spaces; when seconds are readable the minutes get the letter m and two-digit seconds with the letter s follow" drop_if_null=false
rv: 6h02
